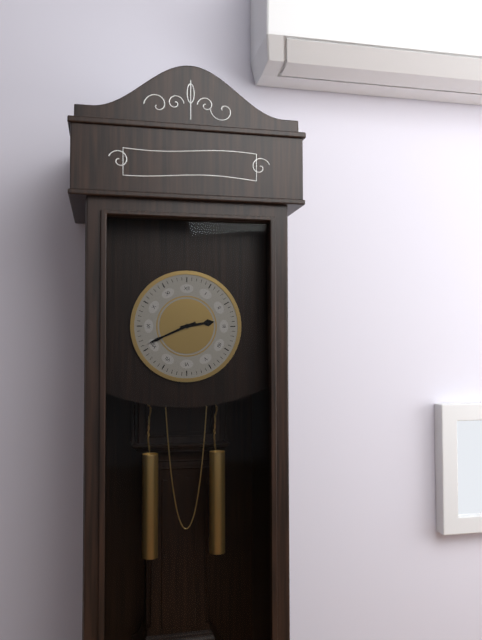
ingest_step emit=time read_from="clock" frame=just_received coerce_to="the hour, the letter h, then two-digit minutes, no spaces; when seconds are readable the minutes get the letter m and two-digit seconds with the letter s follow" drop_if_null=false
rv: 2h41
